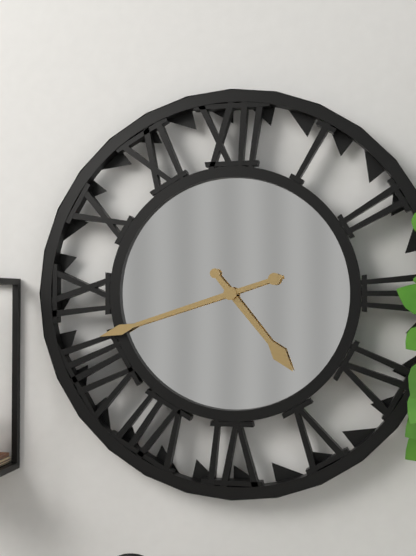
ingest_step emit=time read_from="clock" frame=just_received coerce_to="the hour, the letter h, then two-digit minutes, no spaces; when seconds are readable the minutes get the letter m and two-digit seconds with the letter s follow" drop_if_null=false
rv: 4h42
